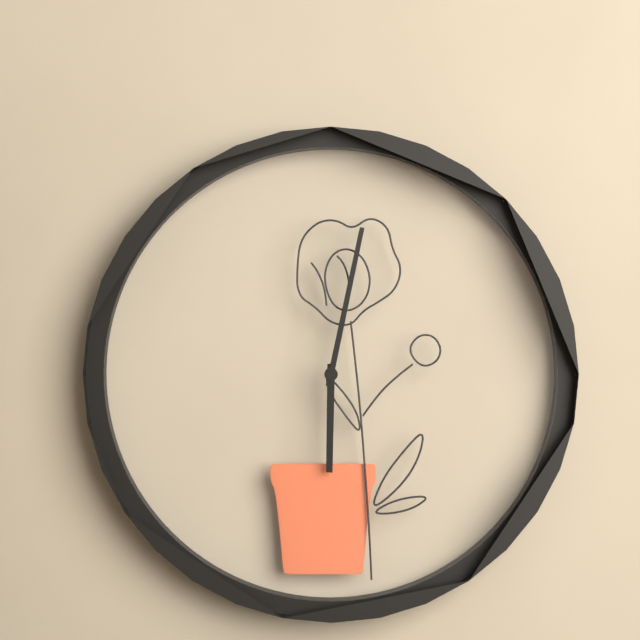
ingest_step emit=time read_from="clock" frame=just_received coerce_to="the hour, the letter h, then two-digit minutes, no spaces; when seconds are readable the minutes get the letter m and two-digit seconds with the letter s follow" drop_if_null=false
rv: 6h02
